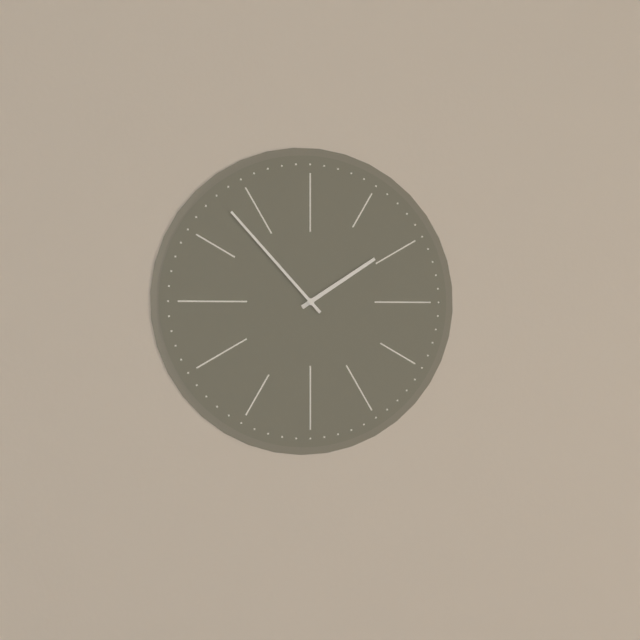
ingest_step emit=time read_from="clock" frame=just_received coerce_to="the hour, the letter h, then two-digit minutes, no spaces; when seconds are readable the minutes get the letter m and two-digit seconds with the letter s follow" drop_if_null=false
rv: 1h53
